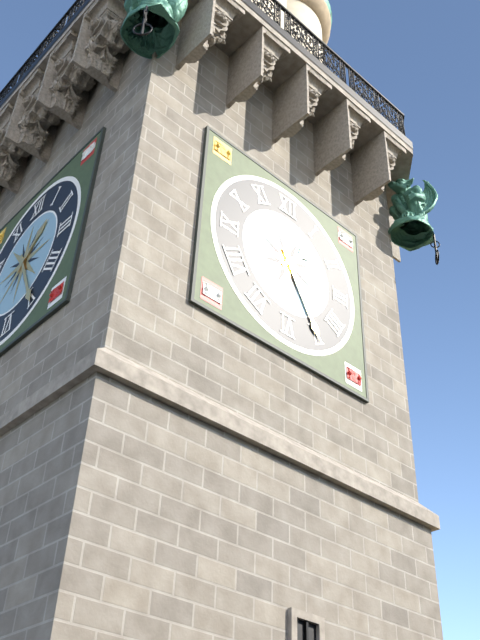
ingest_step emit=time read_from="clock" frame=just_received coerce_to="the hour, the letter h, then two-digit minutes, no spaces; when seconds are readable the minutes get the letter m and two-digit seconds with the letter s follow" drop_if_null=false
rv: 1h25
